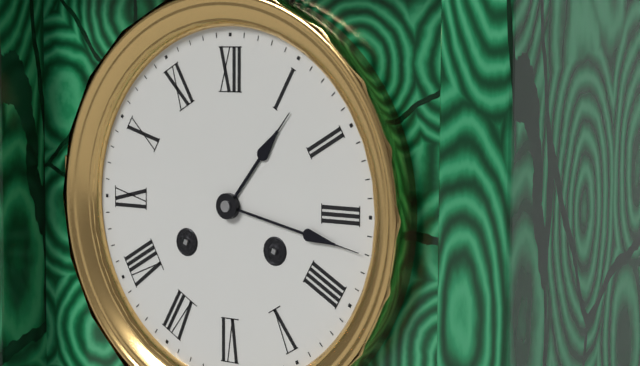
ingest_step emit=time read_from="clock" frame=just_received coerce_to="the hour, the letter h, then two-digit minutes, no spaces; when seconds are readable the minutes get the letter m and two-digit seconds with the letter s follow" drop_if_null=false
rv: 1h17
